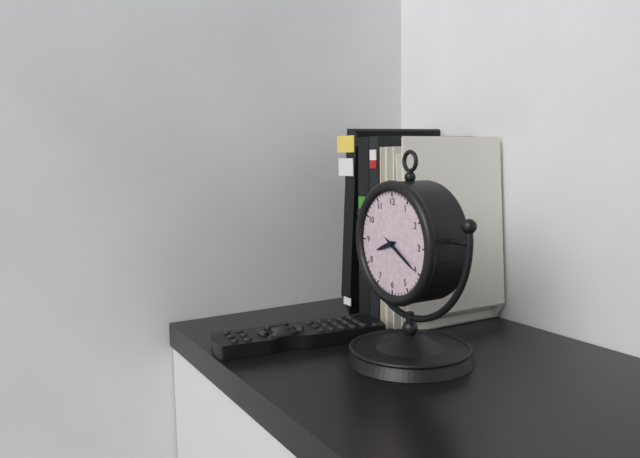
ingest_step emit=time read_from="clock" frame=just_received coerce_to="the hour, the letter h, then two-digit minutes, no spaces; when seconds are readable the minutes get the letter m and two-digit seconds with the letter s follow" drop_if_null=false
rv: 8h20
